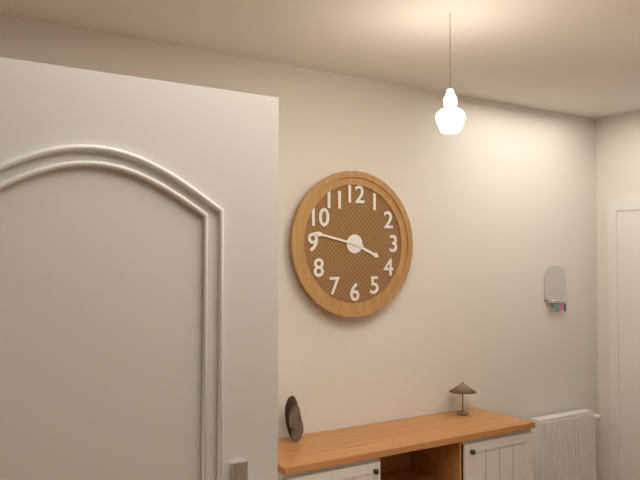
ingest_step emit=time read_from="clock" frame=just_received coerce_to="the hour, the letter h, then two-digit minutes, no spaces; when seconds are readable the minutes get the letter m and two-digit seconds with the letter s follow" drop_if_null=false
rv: 3h47
